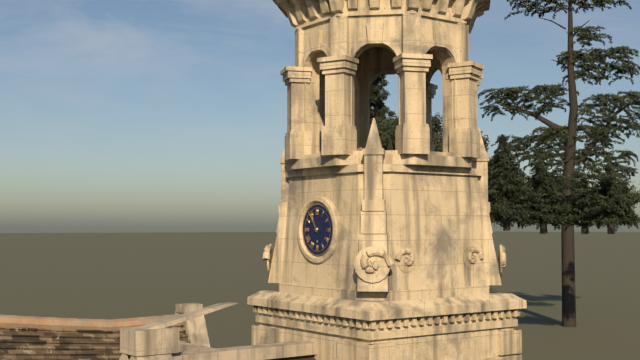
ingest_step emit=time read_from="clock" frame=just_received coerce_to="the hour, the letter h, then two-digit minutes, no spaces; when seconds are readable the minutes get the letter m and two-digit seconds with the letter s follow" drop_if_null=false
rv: 10h54
